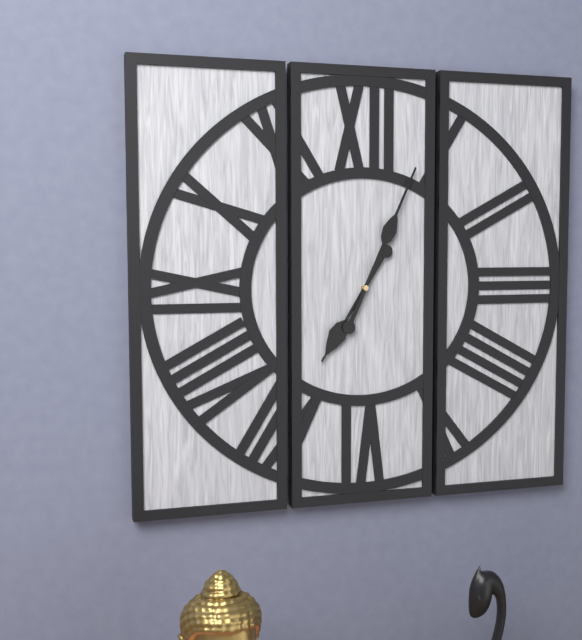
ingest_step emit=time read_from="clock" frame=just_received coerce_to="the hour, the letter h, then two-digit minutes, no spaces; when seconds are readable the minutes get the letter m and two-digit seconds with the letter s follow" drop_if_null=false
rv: 7h04
